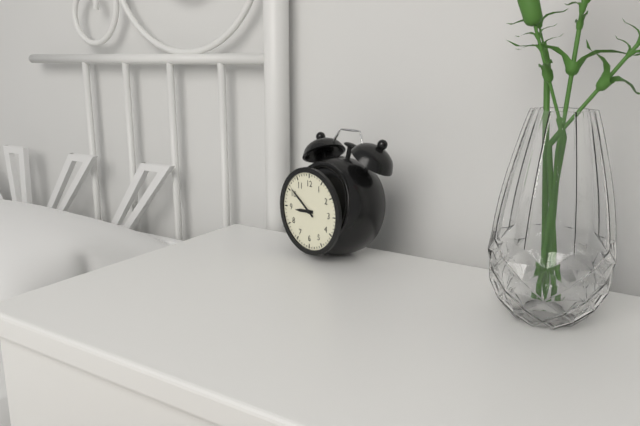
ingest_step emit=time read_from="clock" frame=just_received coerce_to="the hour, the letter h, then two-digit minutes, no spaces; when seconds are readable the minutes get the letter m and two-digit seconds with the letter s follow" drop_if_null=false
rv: 8h51
